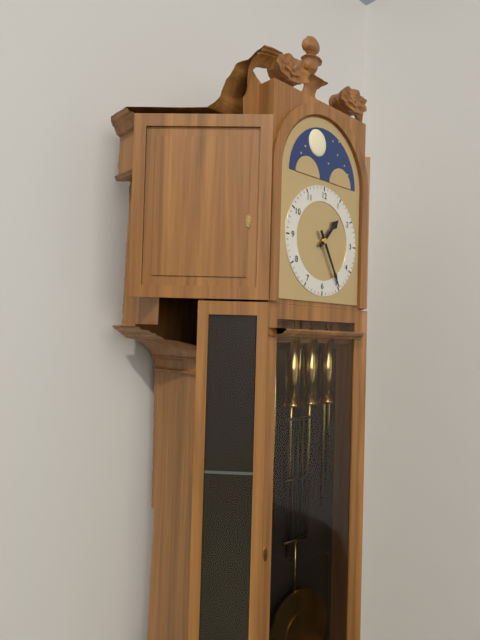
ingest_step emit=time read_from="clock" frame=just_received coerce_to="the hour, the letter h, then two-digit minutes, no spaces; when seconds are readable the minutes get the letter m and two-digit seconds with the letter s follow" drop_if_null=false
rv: 1h25
